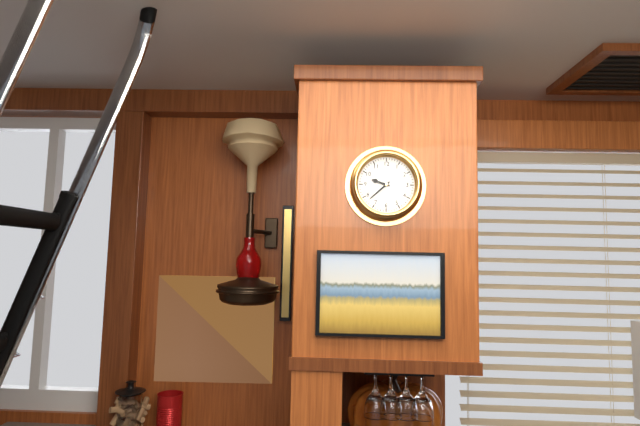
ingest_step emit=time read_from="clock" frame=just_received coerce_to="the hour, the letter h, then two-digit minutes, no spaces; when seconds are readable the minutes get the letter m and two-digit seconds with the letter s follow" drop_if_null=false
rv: 9h38
